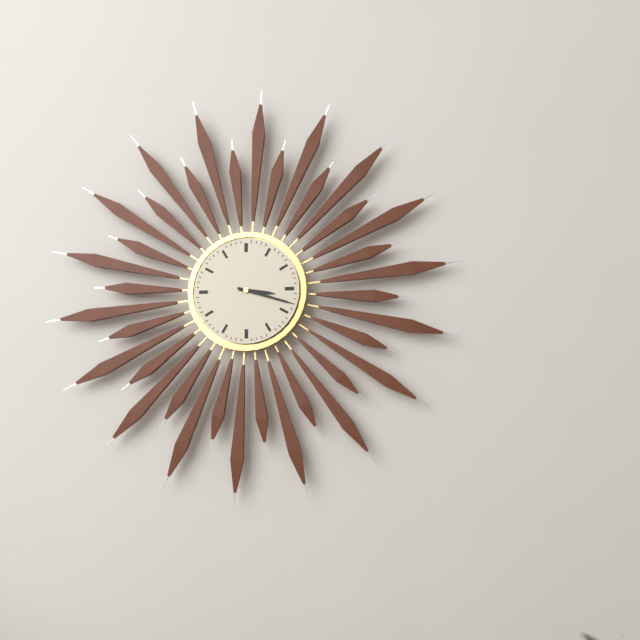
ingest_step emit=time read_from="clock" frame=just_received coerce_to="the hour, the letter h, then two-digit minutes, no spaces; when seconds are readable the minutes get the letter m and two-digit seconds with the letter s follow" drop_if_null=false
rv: 3h18
